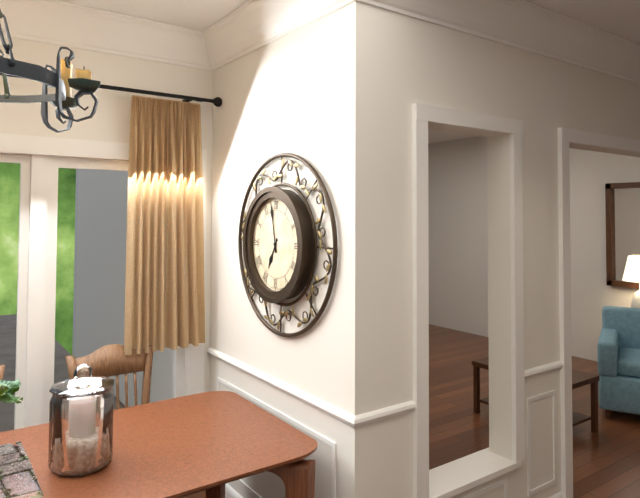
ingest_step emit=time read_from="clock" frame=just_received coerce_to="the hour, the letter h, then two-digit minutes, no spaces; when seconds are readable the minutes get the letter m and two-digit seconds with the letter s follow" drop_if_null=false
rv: 6h58
